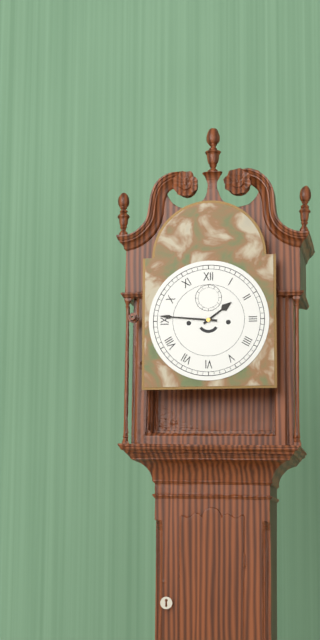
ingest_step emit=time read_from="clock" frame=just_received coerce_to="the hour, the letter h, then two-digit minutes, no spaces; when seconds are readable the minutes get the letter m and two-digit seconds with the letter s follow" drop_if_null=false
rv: 1h46
